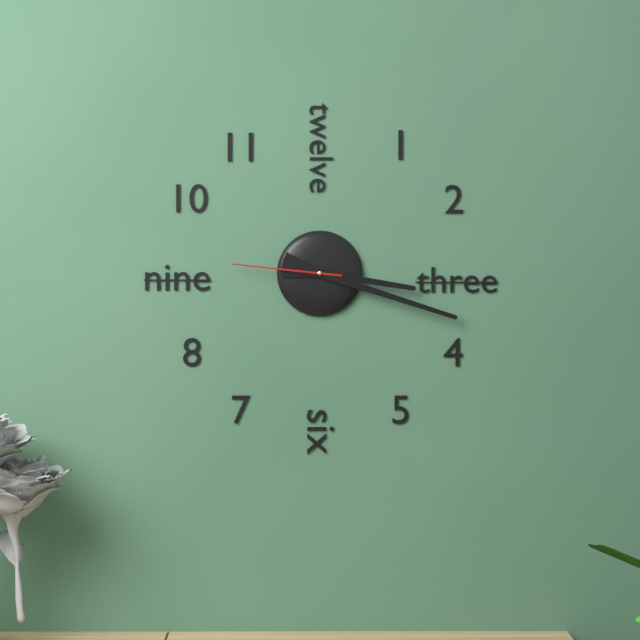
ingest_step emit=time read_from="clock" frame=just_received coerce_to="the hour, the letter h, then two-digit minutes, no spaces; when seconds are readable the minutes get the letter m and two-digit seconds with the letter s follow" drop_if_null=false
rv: 3h18m46s
